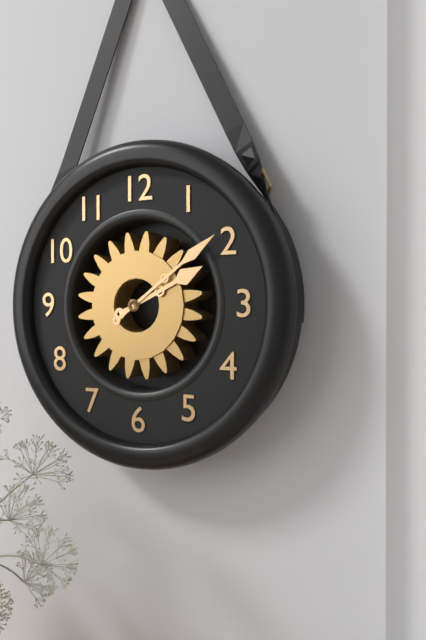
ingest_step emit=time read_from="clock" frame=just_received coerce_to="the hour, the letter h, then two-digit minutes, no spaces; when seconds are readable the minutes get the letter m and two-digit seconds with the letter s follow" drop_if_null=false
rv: 2h09
